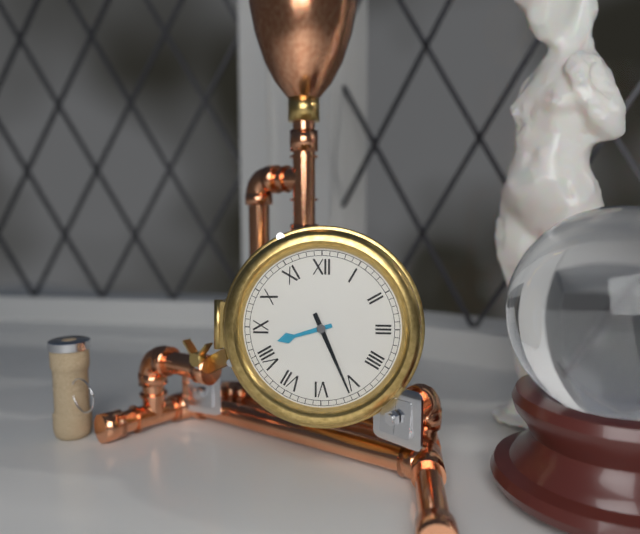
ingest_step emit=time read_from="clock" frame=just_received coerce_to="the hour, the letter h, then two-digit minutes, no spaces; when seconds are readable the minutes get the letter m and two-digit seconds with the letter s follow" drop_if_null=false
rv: 8h26
